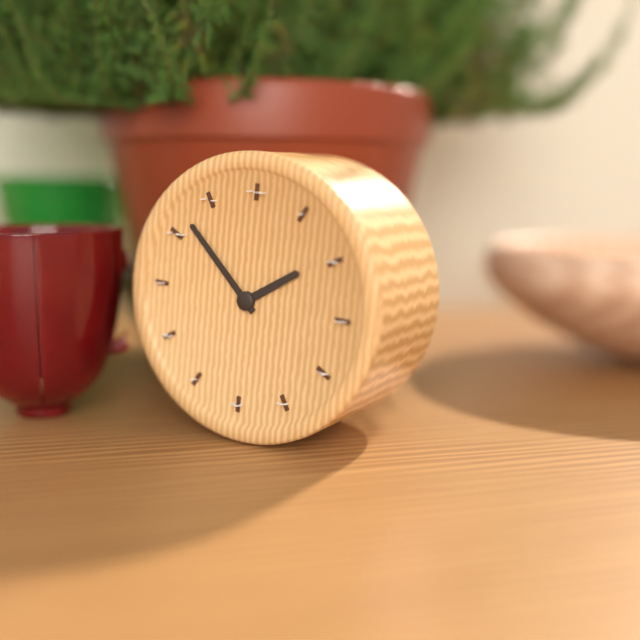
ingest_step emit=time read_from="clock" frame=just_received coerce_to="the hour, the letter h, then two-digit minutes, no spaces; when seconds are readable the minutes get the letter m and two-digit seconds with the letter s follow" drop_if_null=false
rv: 1h52
